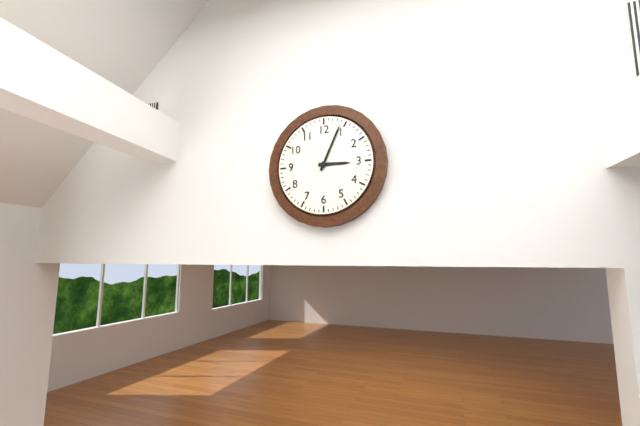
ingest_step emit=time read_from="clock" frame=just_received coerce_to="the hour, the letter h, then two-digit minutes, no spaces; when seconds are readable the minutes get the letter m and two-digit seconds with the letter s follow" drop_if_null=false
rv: 3h04
